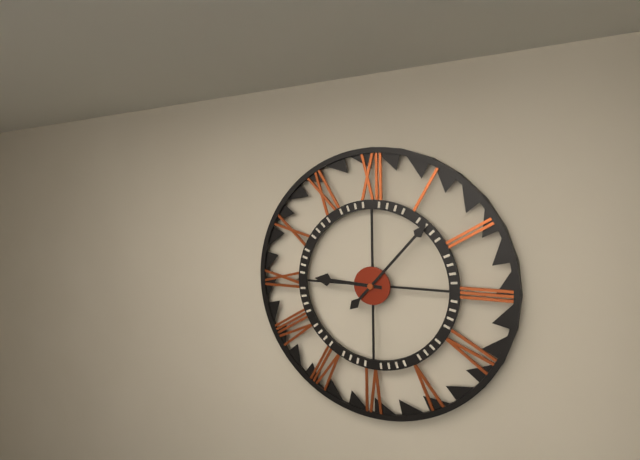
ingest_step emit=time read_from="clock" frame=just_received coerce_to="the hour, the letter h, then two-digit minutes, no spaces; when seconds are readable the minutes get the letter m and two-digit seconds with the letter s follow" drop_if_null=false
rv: 9h07
